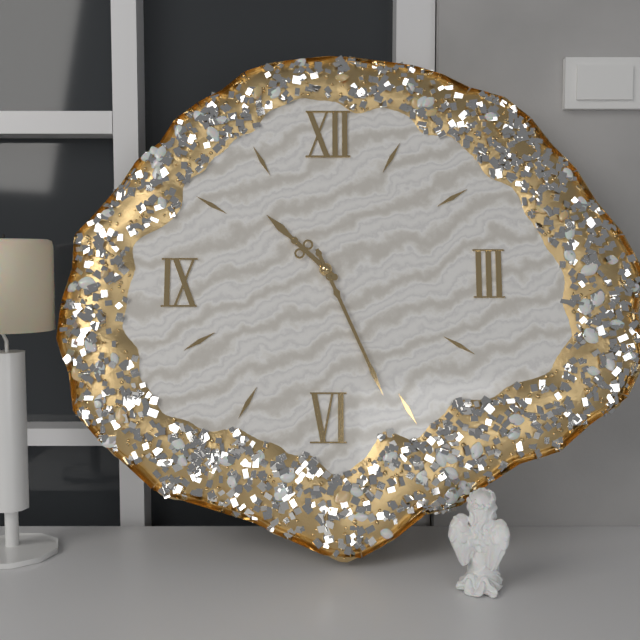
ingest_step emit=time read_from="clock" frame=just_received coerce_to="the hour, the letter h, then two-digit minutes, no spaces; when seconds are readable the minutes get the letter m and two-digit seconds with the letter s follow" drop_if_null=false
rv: 10h26
